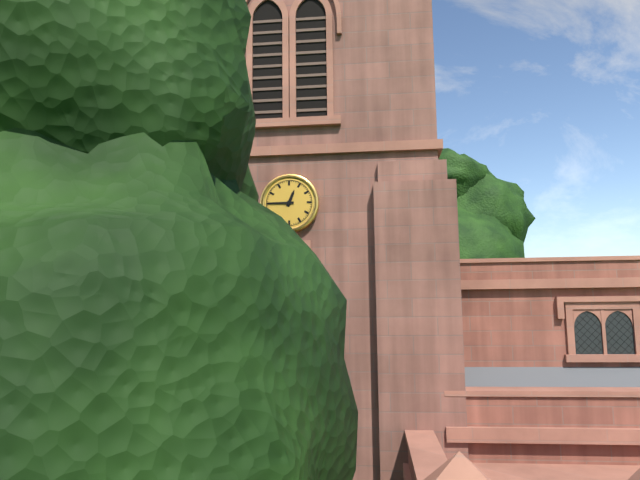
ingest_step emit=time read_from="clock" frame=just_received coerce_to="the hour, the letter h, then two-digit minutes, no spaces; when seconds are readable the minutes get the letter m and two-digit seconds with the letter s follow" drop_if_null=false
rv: 12h45
